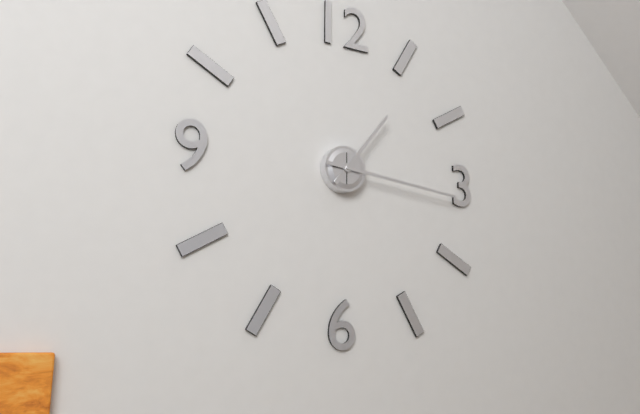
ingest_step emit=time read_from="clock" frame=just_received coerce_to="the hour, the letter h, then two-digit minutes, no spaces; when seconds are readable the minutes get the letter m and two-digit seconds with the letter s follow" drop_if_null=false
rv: 1h16
